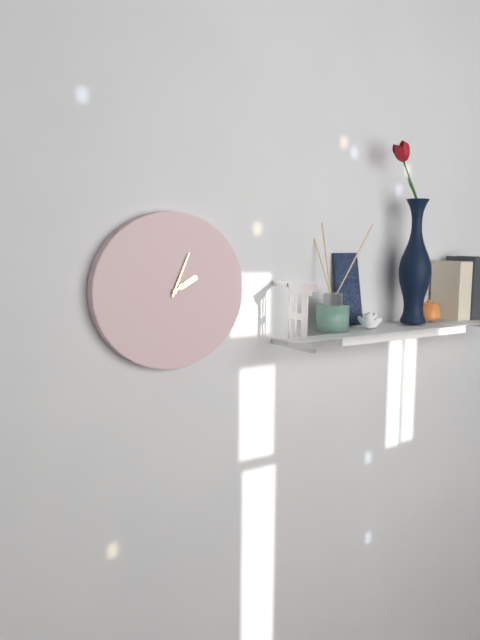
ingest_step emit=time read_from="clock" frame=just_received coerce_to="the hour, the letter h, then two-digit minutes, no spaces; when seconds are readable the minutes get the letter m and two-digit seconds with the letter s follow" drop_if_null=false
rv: 2h04
